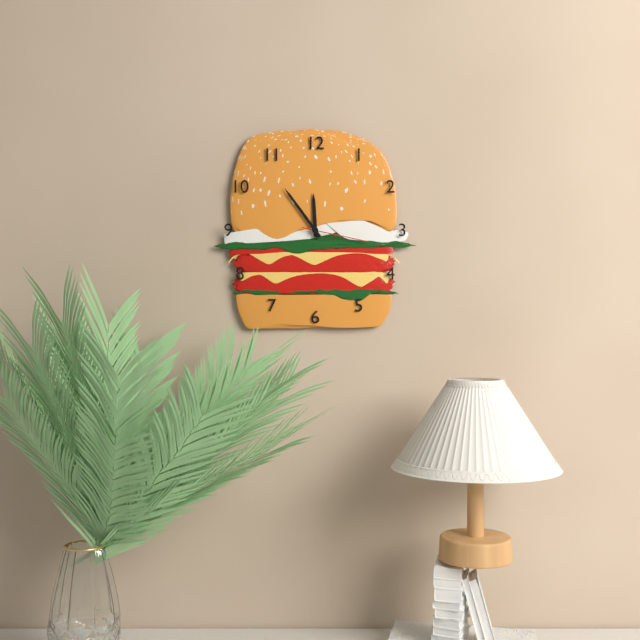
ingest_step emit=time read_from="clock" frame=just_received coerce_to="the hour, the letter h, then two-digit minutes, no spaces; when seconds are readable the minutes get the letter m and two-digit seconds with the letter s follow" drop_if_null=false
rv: 11h54m17s
